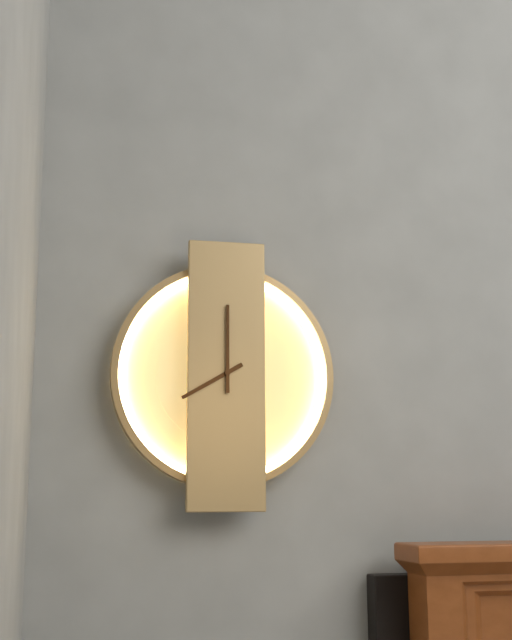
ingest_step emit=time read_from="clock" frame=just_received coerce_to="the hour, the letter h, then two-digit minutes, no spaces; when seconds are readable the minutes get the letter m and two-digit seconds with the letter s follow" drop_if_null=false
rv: 8h00
